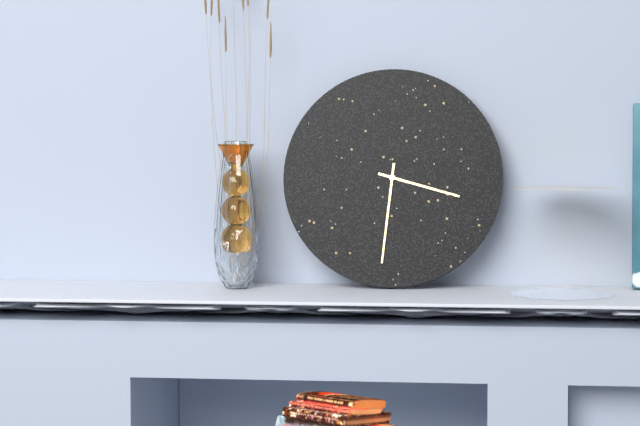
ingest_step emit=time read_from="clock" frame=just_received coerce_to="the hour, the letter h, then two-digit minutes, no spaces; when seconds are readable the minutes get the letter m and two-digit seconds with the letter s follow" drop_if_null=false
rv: 3h31
